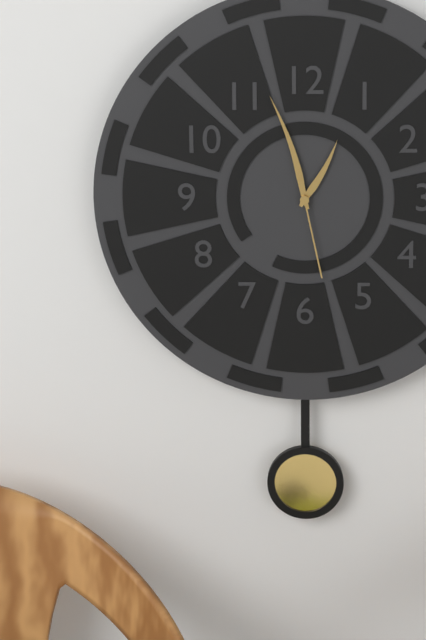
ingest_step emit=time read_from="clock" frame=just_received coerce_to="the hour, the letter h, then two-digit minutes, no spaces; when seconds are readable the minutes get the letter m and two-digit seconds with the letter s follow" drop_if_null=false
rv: 12h57m28s
